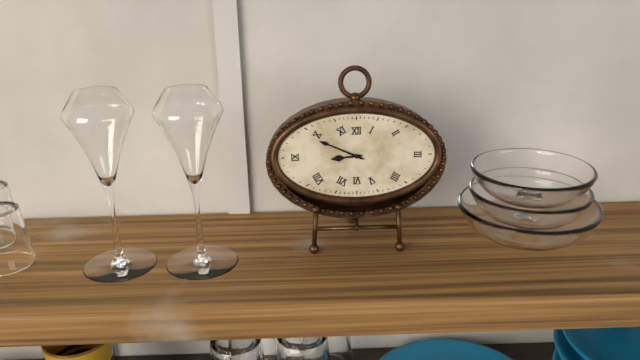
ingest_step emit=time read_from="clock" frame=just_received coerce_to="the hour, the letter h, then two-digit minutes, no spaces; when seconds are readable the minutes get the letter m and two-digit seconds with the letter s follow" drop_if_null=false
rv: 8h49
